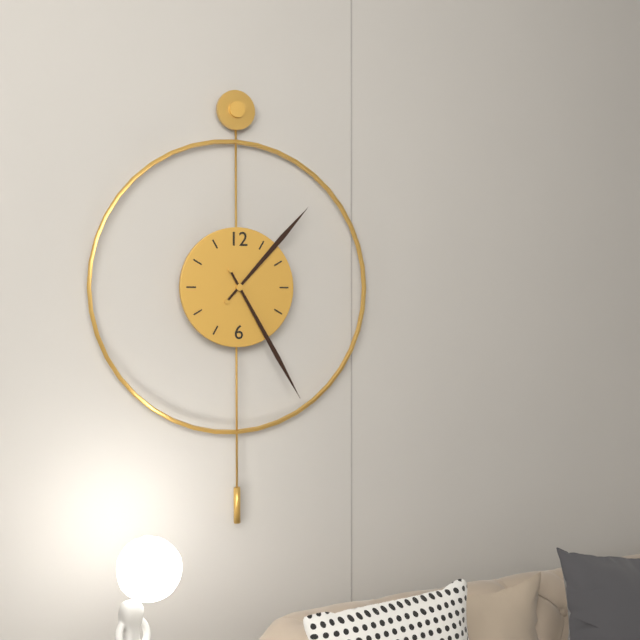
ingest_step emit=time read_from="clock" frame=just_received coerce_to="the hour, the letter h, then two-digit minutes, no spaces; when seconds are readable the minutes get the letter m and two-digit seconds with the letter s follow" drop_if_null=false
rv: 1h25
